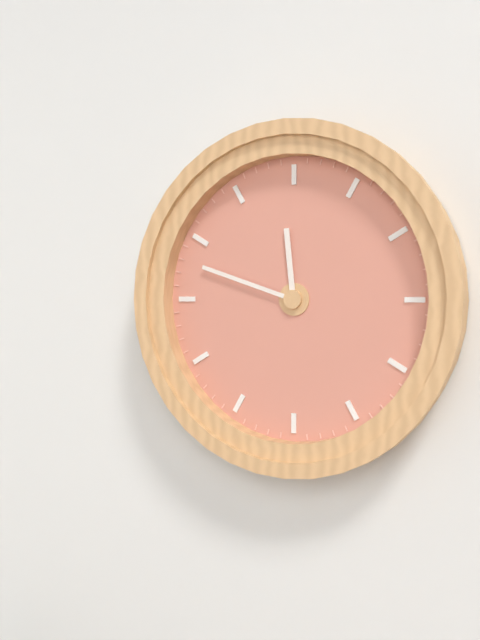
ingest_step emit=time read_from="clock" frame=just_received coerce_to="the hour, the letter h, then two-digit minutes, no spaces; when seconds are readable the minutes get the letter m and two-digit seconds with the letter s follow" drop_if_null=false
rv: 11h48
